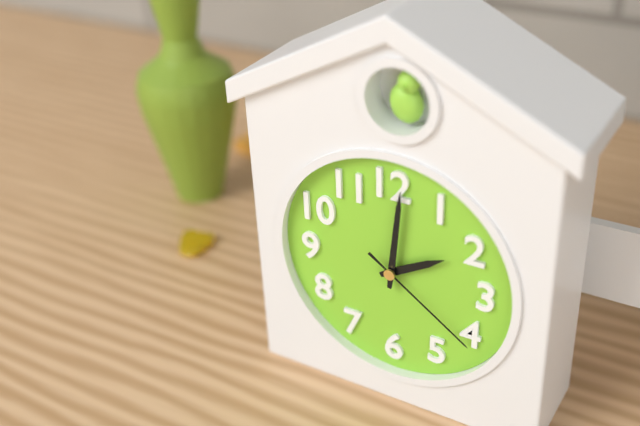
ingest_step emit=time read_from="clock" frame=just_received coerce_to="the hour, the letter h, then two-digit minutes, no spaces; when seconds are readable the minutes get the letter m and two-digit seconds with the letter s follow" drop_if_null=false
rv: 2h01m21s
